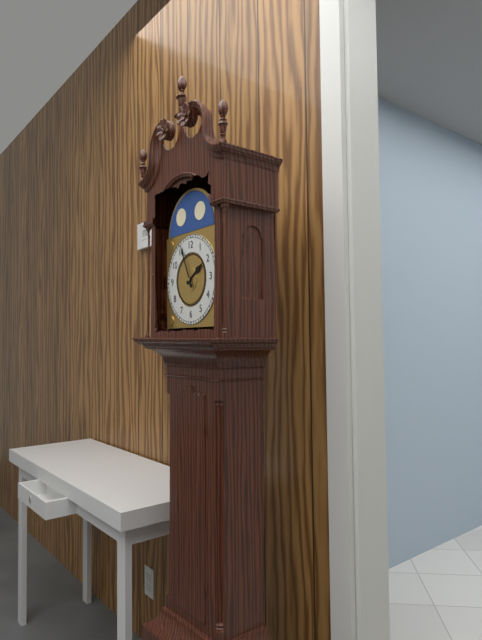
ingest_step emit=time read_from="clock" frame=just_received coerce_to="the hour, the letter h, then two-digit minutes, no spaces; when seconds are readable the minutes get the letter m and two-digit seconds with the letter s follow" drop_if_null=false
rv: 1h56
